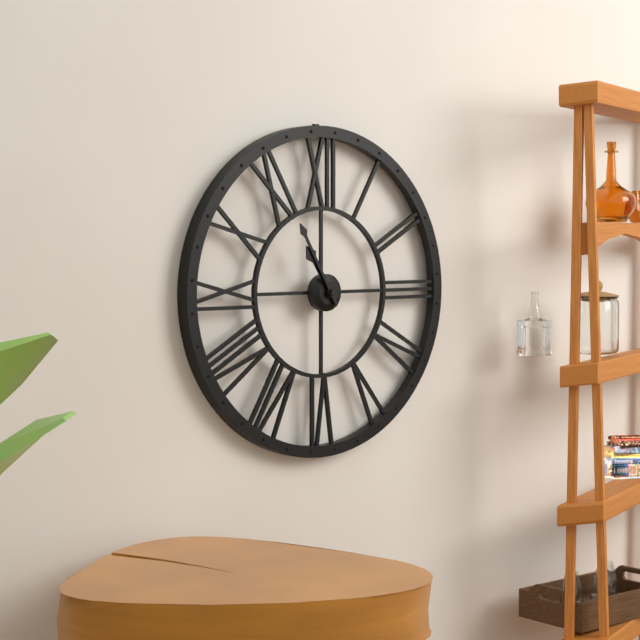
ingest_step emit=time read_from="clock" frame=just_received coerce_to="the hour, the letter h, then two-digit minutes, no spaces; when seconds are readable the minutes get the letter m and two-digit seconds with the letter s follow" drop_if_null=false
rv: 10h55
